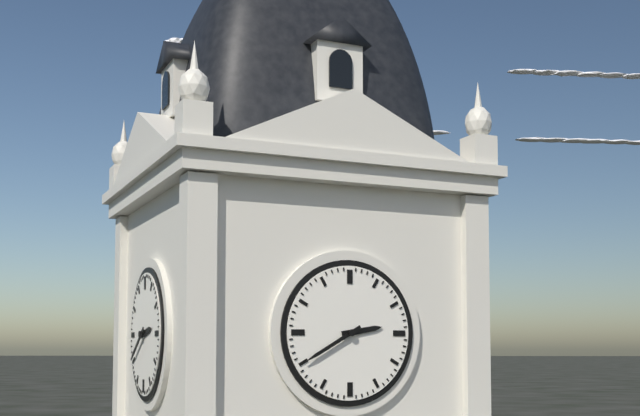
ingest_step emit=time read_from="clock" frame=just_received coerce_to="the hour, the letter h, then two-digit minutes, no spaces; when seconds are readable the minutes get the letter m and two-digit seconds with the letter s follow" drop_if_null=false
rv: 2h40
